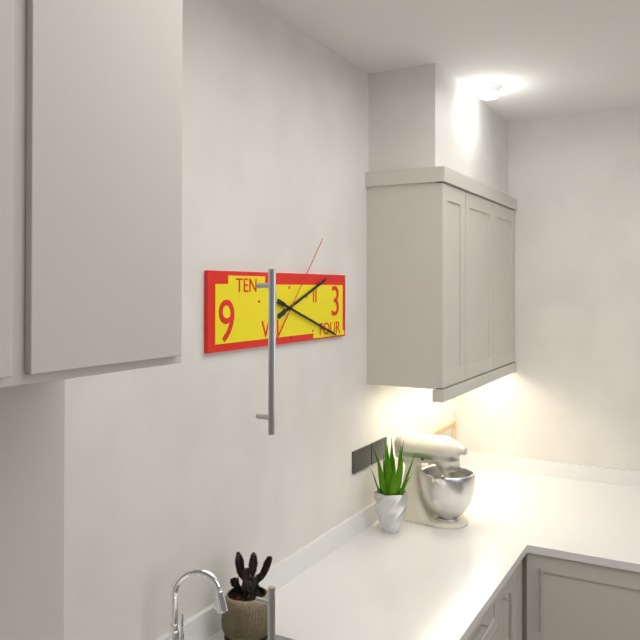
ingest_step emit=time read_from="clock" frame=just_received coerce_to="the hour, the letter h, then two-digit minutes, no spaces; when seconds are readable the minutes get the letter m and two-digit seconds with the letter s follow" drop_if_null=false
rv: 2h18m07s
